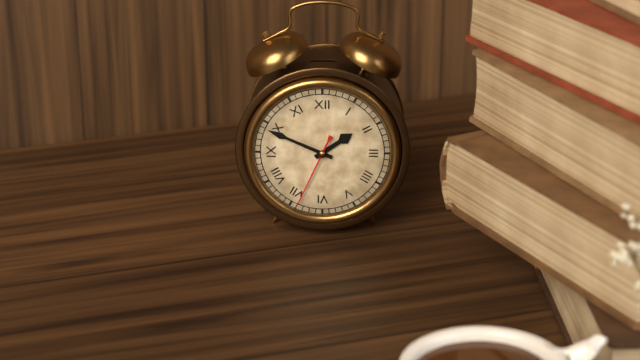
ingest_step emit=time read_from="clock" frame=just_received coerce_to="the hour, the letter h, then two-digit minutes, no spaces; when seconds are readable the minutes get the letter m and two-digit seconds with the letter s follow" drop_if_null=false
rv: 1h49m34s
